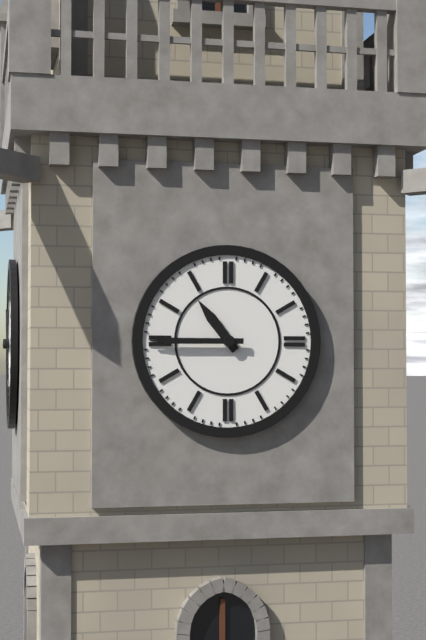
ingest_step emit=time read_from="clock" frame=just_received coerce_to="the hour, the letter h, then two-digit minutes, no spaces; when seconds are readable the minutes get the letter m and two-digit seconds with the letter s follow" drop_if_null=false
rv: 10h45
